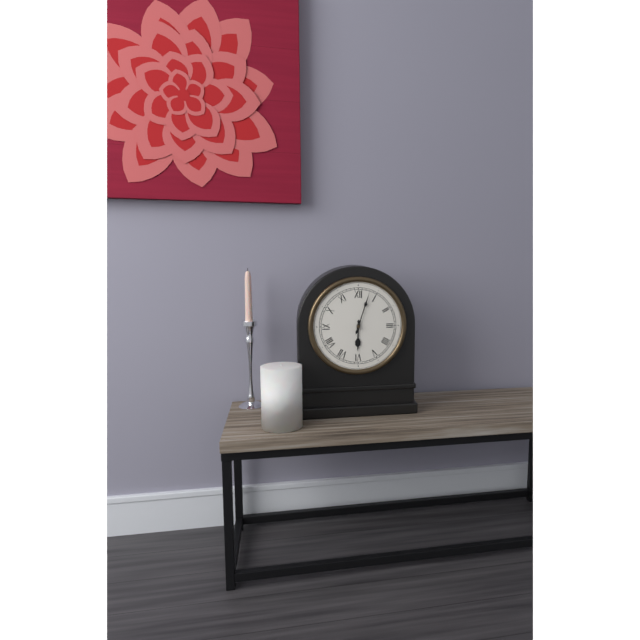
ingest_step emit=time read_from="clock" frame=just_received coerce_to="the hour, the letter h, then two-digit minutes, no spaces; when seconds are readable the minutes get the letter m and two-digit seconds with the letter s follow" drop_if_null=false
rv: 6h03
